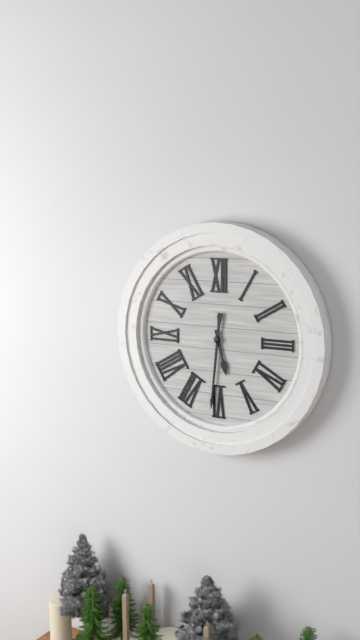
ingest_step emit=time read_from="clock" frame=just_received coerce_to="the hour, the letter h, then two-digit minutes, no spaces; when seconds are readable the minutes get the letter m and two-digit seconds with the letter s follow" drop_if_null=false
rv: 5h31
